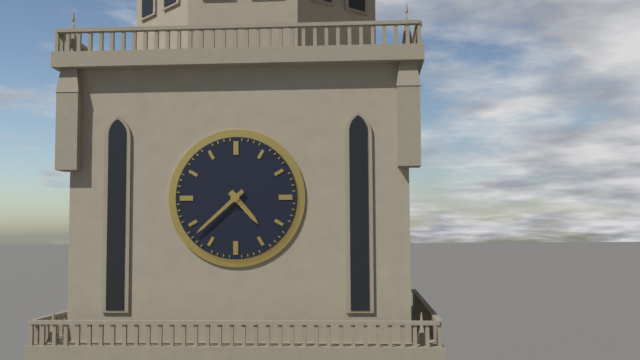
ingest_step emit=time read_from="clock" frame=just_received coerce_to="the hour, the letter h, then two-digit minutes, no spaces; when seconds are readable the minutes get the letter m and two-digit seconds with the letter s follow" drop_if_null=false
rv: 4h38
